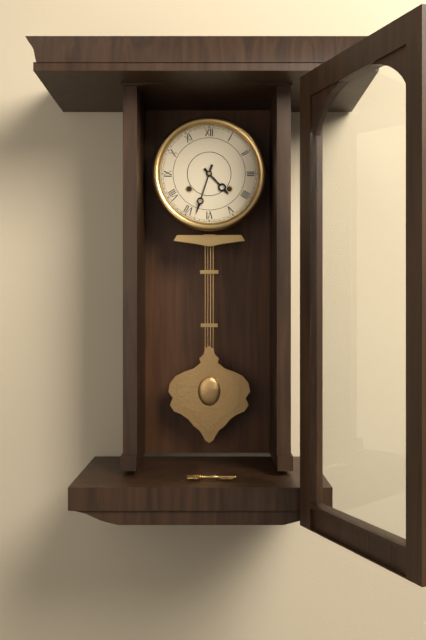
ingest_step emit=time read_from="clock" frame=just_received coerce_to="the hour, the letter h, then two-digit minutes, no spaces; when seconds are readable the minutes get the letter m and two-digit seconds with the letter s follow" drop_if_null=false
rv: 4h33
